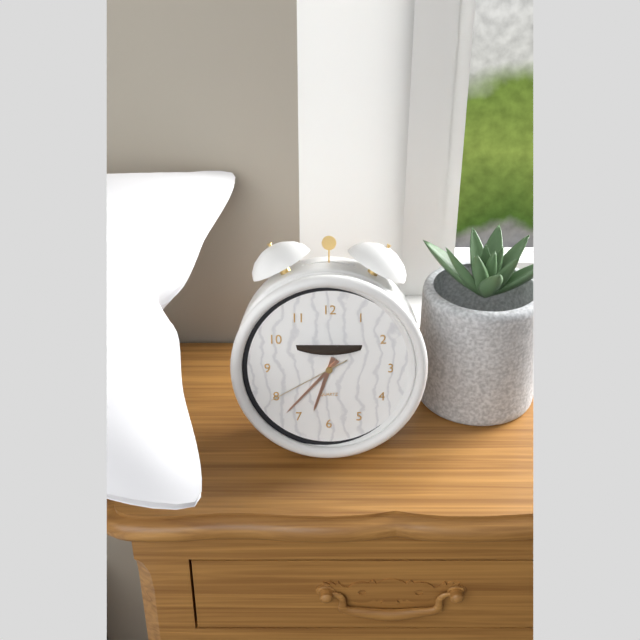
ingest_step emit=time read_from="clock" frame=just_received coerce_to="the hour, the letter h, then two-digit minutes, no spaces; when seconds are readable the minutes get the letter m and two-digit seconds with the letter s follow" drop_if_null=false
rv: 6h37m40s
